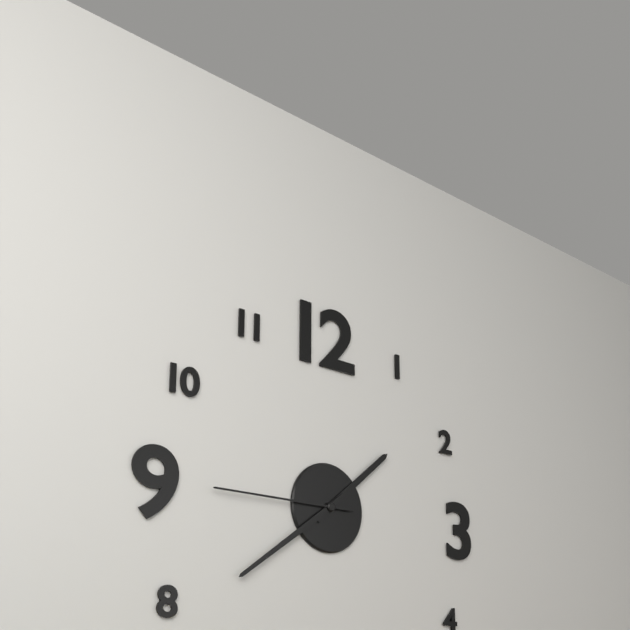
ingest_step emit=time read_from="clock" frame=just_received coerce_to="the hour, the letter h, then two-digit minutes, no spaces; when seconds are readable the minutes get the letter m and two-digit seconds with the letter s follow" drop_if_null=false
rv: 1h39m45s
